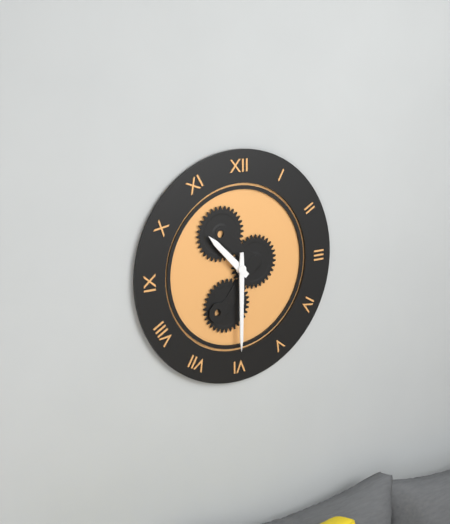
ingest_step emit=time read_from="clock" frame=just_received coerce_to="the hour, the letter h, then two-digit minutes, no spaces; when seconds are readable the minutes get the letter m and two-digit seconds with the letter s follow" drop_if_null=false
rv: 10h30
